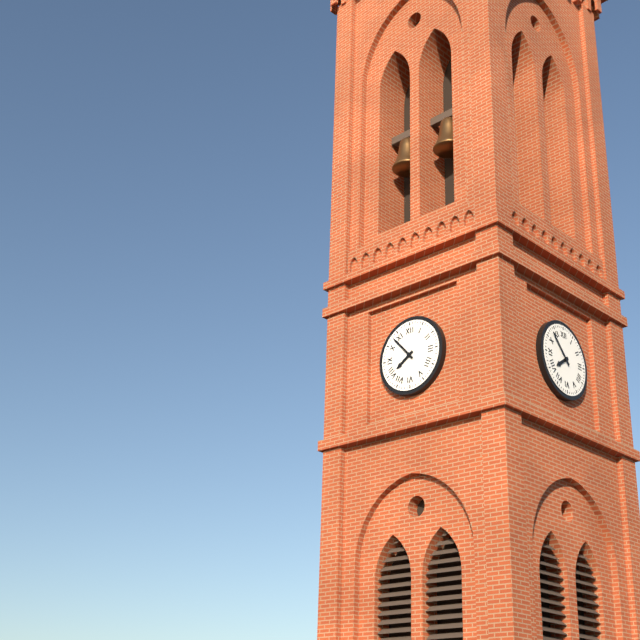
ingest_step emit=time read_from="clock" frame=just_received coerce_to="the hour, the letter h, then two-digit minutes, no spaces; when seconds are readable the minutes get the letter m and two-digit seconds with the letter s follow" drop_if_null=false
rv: 7h53
